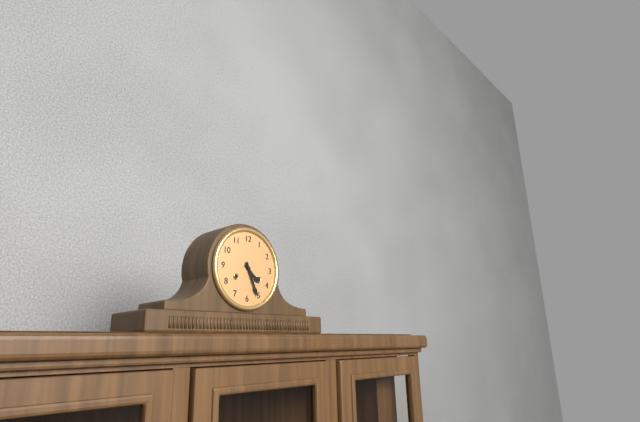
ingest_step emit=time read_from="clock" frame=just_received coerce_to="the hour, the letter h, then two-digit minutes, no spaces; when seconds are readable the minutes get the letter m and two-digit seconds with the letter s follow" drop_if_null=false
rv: 4h26
